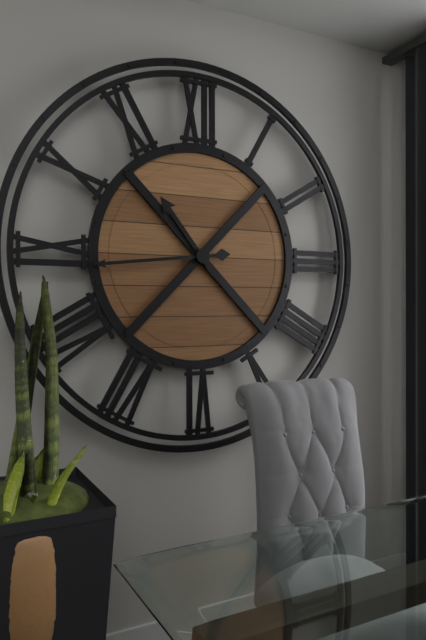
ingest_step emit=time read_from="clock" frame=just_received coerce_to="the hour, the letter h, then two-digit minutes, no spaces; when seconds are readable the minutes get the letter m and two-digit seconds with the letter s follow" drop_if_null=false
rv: 10h44
